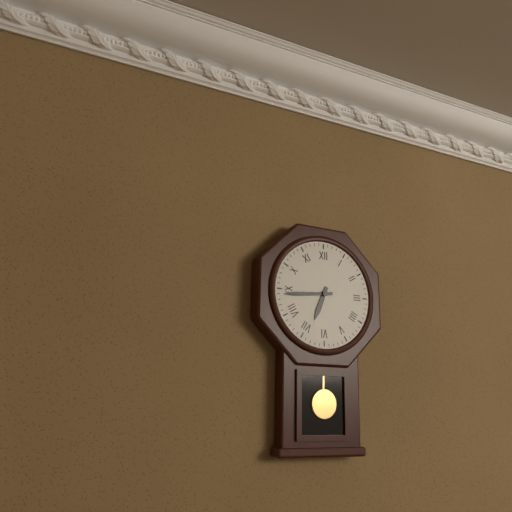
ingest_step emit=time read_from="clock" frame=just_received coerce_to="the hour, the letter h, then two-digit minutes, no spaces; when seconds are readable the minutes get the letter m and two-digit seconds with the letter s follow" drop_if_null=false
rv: 6h44
